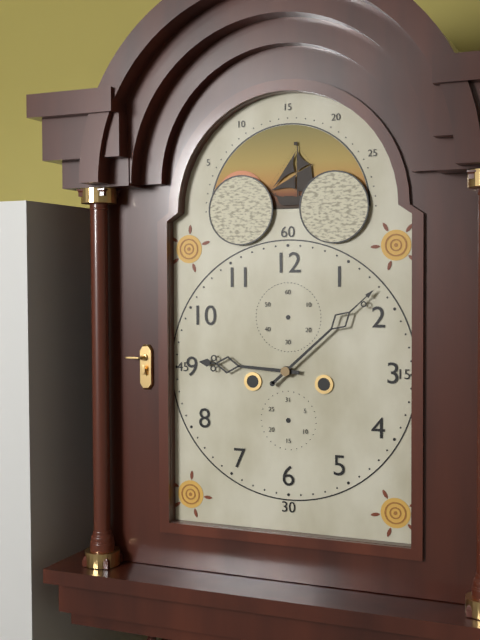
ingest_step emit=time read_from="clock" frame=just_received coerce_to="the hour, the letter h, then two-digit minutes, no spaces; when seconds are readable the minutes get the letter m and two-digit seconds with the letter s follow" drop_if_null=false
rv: 9h08
